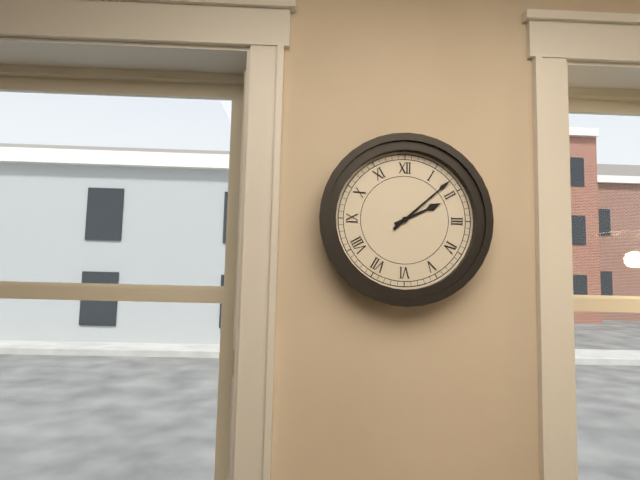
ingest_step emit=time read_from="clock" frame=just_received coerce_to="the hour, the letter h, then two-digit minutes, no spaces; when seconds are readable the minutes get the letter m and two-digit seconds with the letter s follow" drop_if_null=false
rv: 2h08
